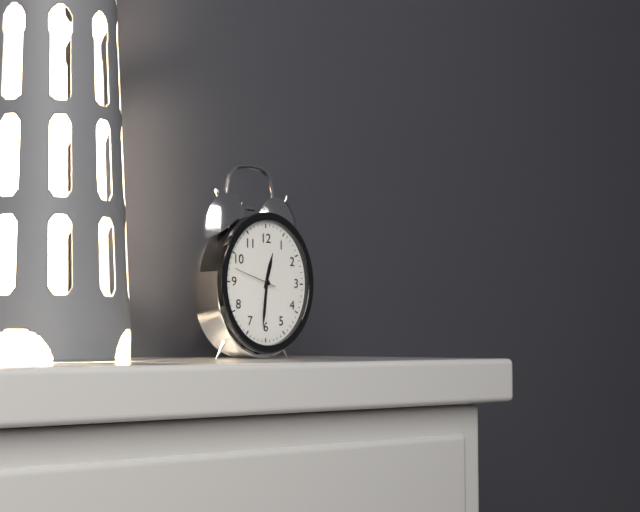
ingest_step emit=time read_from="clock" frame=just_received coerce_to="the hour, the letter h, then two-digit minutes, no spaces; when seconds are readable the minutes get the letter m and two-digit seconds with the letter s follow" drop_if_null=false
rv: 12h31
